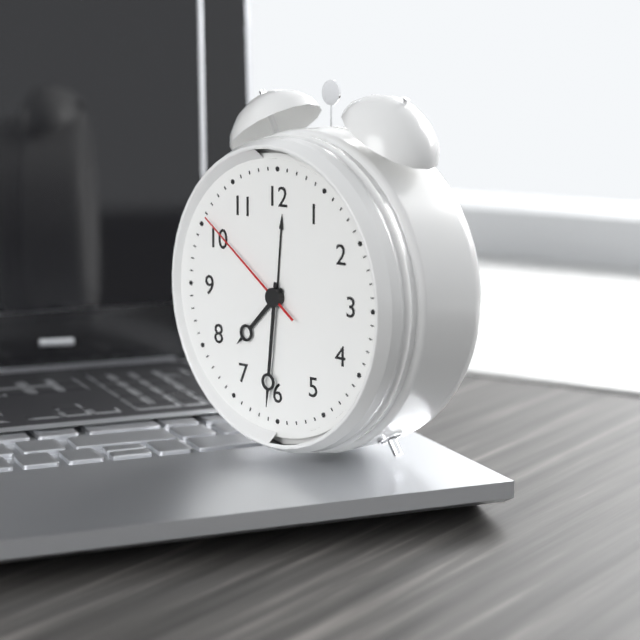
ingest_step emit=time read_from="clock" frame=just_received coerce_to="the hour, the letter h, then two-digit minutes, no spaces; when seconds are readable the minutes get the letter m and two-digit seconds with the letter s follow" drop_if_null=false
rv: 7h31m51s
